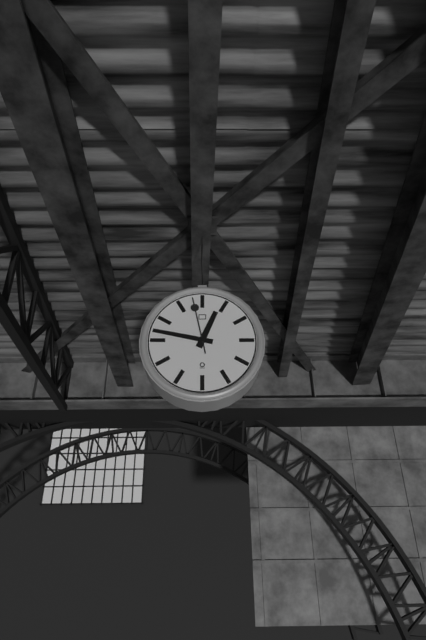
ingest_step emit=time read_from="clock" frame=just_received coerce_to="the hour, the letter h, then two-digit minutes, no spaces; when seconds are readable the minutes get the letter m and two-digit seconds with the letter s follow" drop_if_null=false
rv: 12h47m58s
